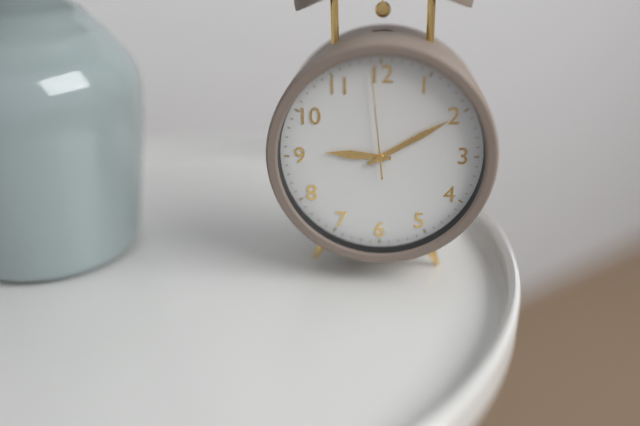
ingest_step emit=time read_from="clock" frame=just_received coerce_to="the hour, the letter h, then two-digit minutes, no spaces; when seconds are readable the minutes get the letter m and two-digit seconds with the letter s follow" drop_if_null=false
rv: 9h10m59s
